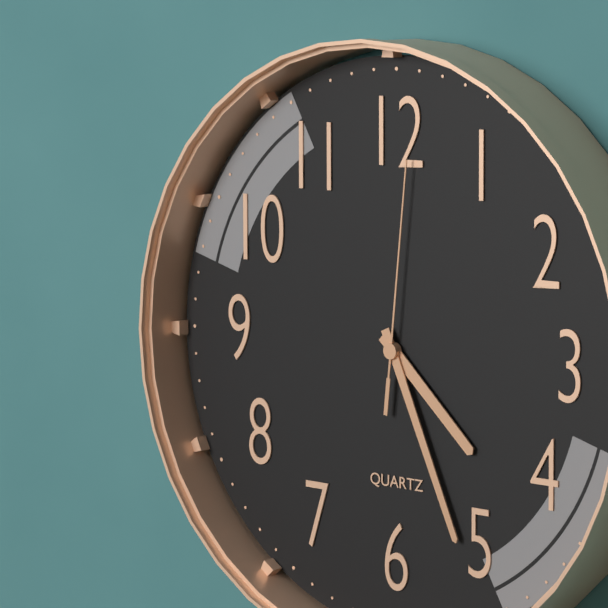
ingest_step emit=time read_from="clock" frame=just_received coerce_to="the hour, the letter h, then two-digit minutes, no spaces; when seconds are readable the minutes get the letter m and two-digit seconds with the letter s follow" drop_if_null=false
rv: 4h26m01s
